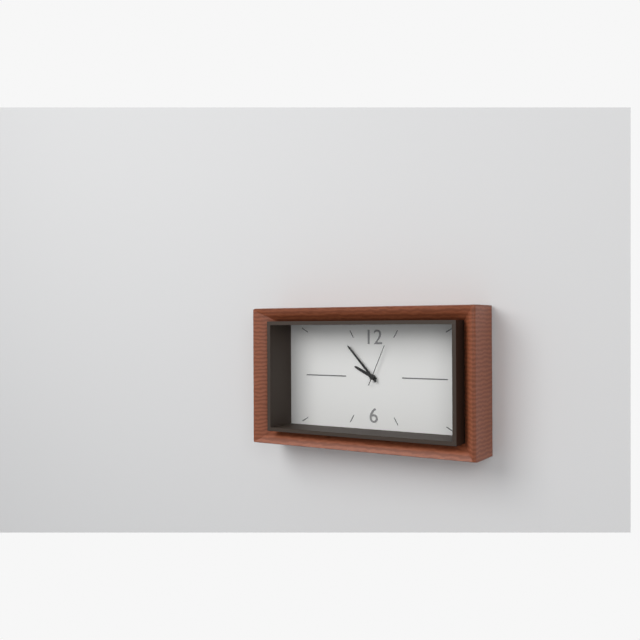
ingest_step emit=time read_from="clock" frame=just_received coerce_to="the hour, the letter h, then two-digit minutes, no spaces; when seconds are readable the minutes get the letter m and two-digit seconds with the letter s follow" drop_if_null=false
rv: 9h53
